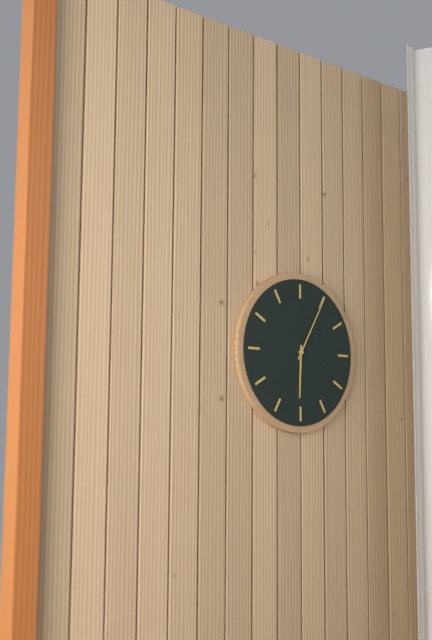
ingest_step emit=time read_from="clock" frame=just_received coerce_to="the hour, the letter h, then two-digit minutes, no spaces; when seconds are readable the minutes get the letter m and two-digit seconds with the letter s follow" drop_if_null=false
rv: 6h05
